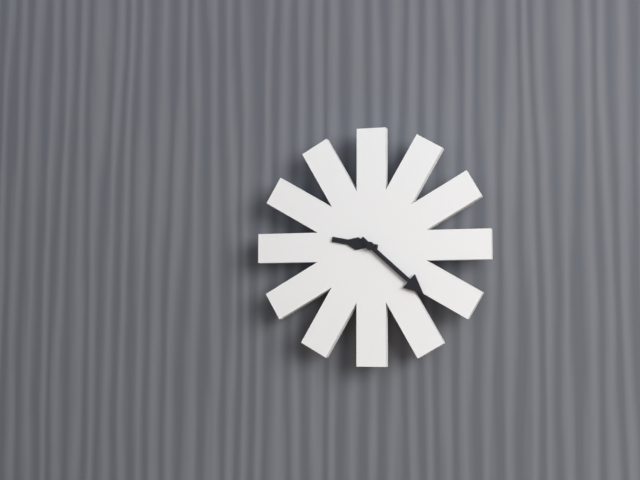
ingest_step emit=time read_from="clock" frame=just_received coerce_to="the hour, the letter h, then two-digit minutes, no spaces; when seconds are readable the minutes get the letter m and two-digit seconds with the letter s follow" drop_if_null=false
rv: 9h22
